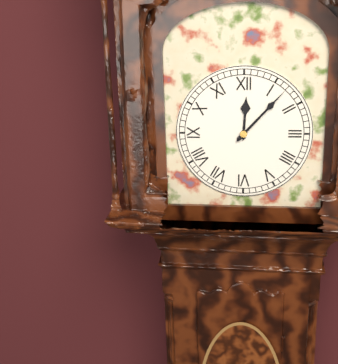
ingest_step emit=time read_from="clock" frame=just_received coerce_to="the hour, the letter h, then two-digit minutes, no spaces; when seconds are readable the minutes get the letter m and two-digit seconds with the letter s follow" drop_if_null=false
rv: 12h07
